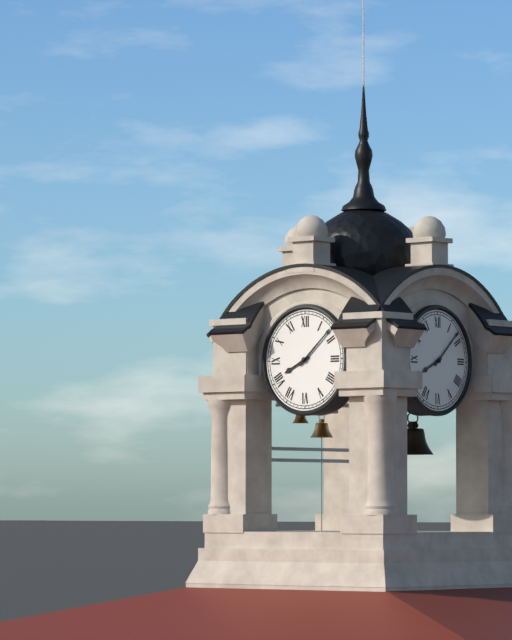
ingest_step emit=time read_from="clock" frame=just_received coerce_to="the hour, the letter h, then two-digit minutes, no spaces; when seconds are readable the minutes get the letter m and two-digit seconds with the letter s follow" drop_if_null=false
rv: 8h08
